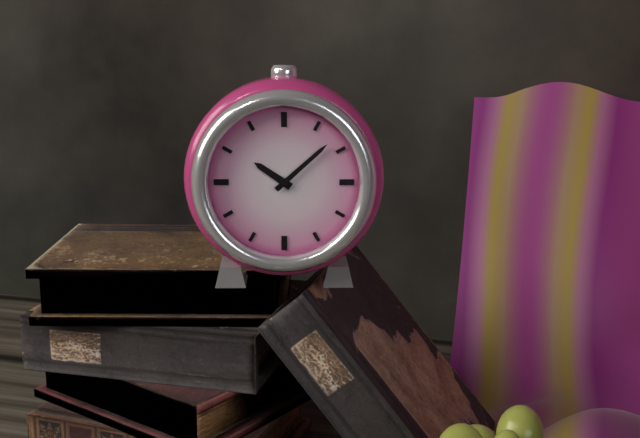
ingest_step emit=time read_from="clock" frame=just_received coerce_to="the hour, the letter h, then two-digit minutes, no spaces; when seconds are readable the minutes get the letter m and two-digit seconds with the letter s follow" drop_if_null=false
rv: 10h08
